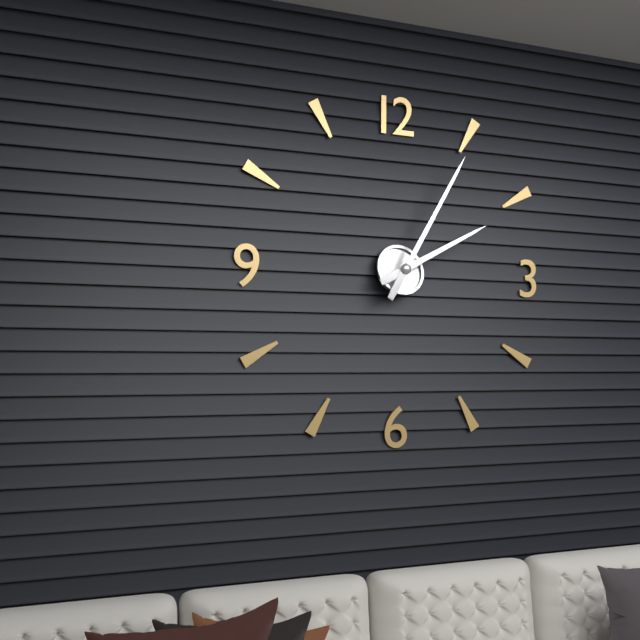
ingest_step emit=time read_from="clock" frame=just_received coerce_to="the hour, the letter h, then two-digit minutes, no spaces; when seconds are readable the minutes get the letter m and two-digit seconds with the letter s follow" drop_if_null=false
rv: 2h05
